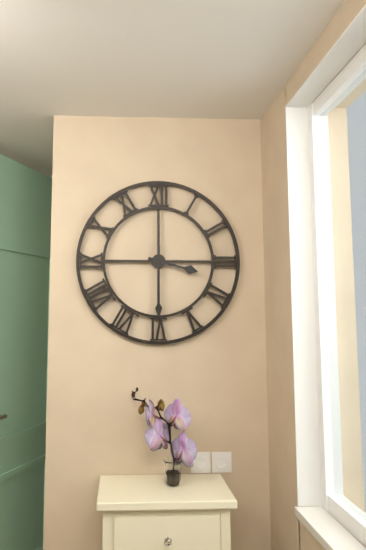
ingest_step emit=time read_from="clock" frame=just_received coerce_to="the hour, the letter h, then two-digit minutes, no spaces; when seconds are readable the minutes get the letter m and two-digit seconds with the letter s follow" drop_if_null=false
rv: 3h30
